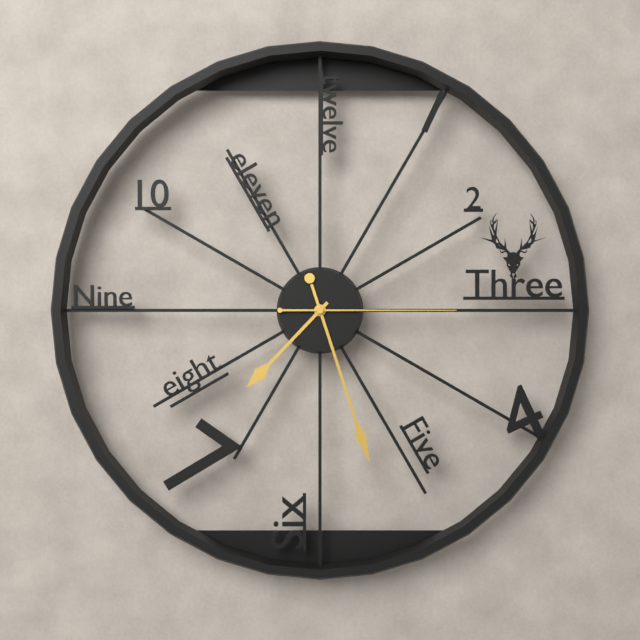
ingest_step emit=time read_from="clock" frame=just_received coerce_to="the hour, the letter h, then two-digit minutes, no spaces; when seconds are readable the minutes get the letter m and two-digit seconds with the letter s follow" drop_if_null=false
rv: 7h27m15s
